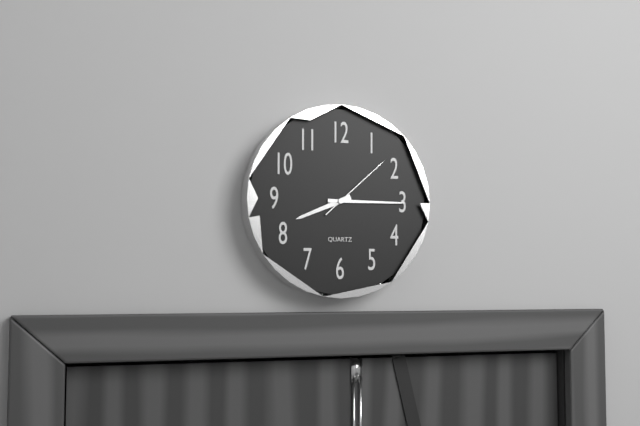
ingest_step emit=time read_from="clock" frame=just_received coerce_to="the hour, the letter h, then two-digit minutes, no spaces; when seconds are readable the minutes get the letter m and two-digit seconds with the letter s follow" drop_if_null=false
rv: 8h15m08s
